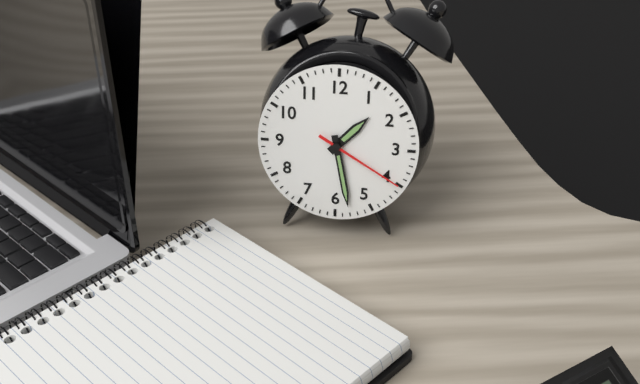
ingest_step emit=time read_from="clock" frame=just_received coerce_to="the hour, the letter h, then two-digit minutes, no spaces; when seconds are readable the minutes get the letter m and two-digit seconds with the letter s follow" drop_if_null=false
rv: 1h28m20s
